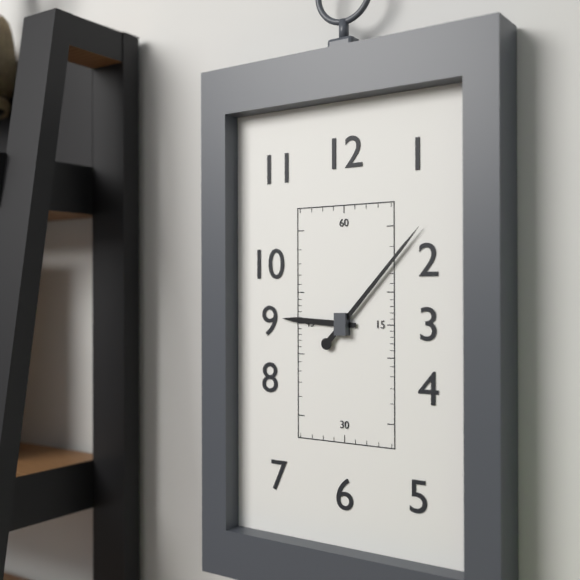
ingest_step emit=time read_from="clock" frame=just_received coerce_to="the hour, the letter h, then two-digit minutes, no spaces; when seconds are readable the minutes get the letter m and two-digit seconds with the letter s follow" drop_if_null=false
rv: 9h07
